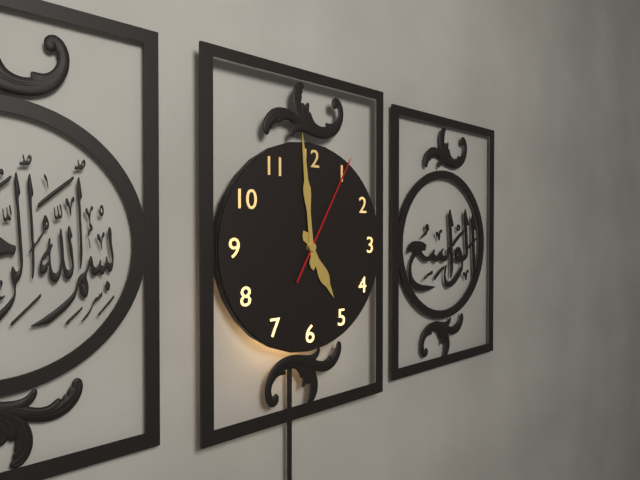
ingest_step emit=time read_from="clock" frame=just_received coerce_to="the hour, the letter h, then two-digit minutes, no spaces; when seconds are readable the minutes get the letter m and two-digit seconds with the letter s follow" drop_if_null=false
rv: 4h59m05s
